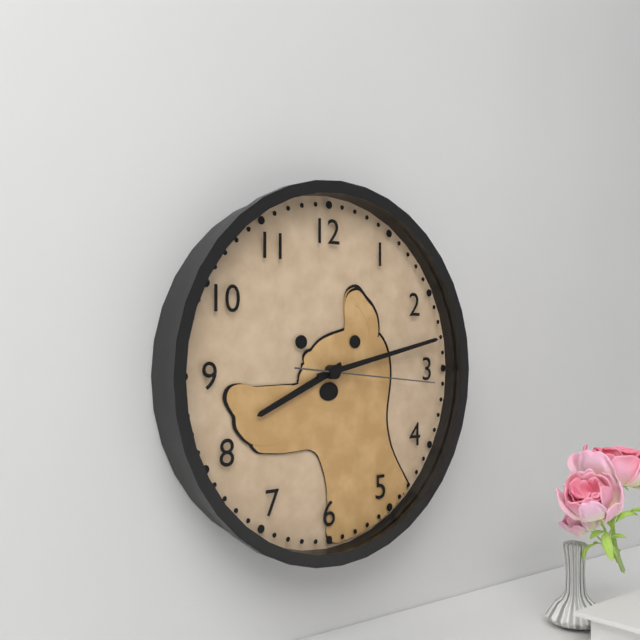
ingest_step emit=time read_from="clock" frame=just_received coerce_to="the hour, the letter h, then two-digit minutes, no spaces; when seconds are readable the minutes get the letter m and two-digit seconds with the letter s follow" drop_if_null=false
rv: 8h13m16s
